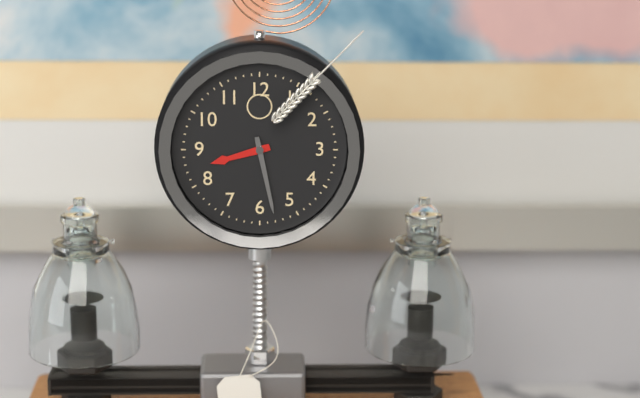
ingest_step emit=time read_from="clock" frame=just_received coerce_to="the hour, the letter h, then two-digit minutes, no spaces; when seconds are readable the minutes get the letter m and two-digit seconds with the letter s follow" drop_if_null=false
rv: 8h28
